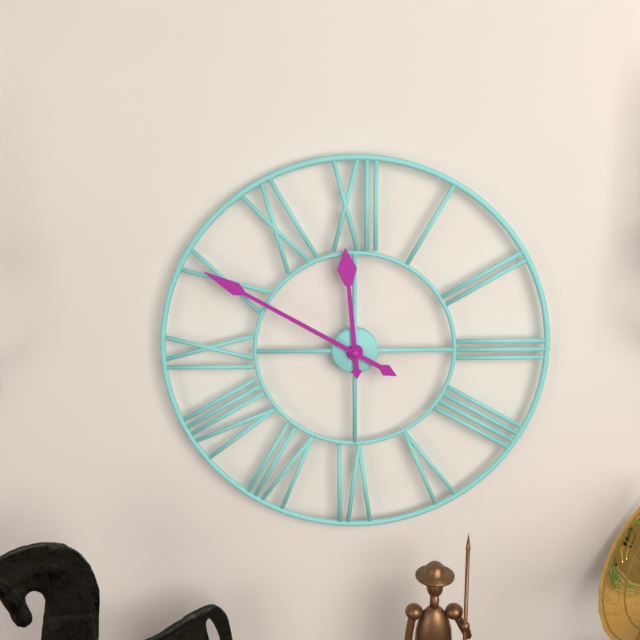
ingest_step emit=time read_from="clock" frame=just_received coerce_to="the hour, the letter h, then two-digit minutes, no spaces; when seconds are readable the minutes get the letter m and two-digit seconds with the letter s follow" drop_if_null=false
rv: 11h50
